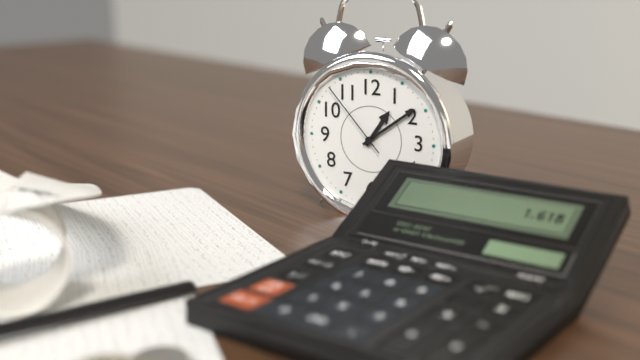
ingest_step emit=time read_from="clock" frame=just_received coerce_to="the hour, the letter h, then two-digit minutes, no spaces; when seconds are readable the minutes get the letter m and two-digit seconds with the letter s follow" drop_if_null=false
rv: 1h09m53s
